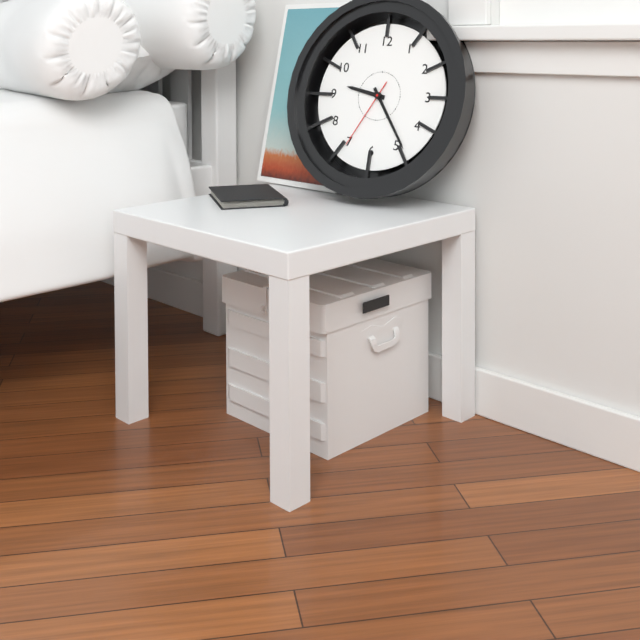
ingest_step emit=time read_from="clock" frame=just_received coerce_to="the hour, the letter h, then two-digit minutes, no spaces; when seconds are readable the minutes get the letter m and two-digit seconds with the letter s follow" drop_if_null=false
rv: 9h24m35s
